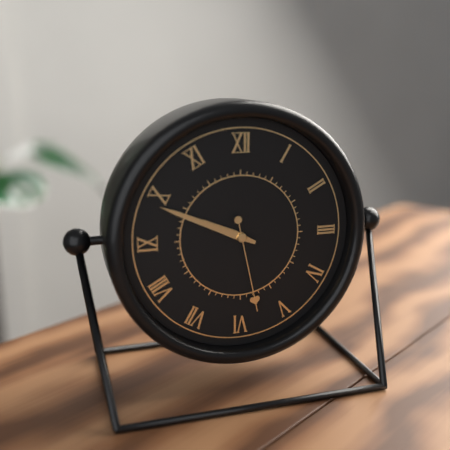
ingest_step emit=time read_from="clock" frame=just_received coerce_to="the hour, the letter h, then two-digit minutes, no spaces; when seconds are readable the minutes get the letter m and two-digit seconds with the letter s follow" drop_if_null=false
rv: 9h49m28s
